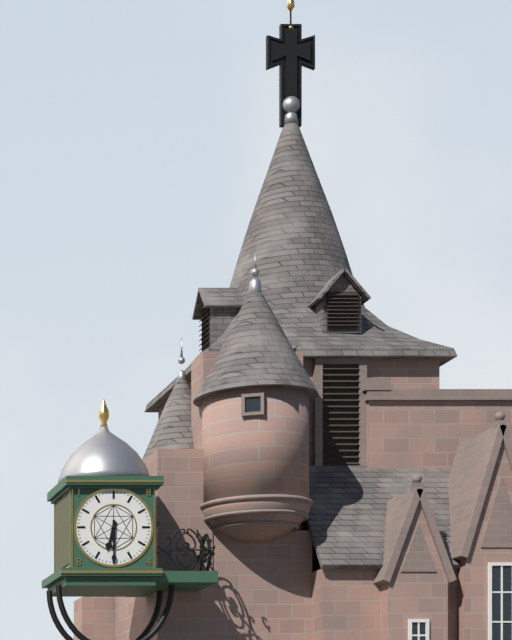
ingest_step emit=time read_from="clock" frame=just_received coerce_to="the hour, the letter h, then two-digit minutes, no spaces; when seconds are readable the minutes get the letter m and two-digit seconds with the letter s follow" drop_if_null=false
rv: 6h30
